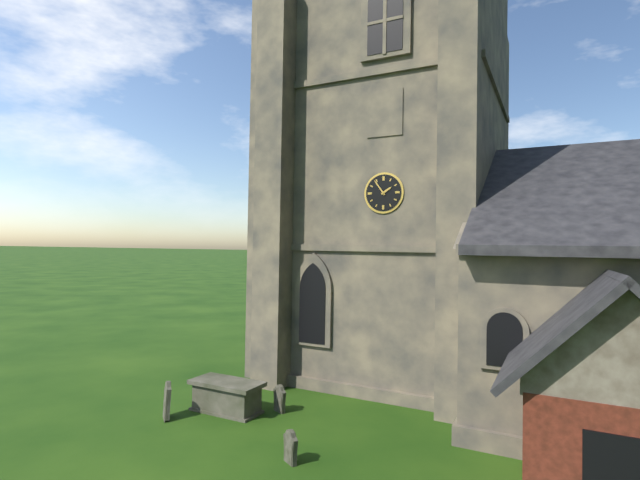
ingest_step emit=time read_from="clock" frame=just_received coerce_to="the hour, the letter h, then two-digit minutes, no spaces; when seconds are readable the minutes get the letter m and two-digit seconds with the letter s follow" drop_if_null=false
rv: 1h54
